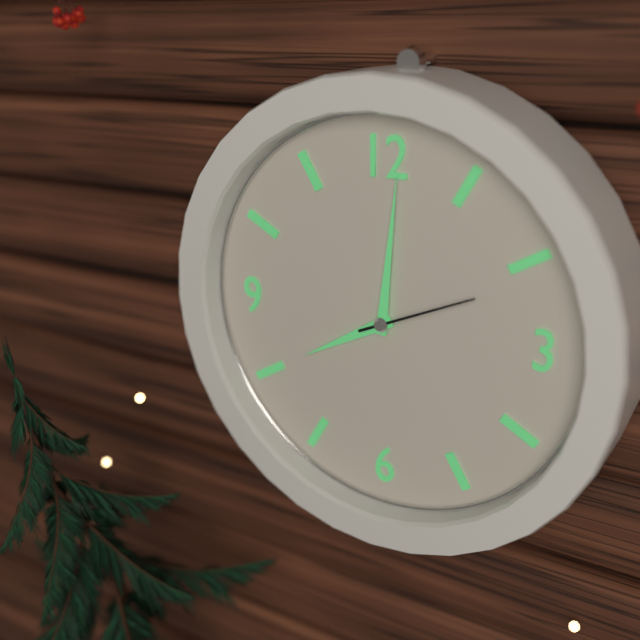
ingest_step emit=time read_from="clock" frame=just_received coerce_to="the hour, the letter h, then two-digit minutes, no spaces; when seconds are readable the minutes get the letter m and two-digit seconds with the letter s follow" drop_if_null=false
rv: 8h01m11s
